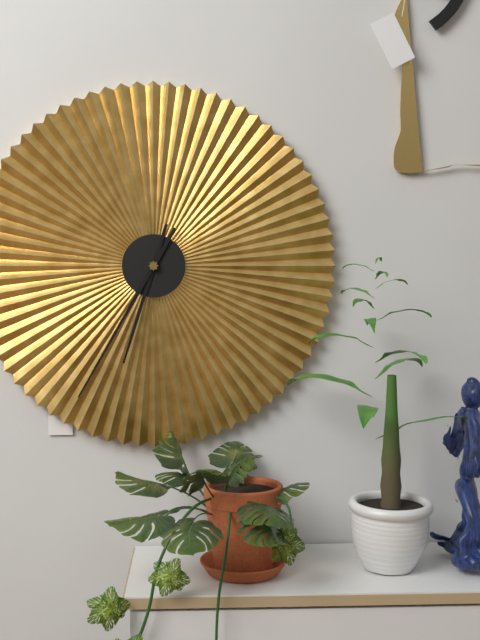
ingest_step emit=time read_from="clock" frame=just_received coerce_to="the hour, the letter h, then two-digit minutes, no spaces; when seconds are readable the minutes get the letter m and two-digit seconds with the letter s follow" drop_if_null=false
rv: 6h35
